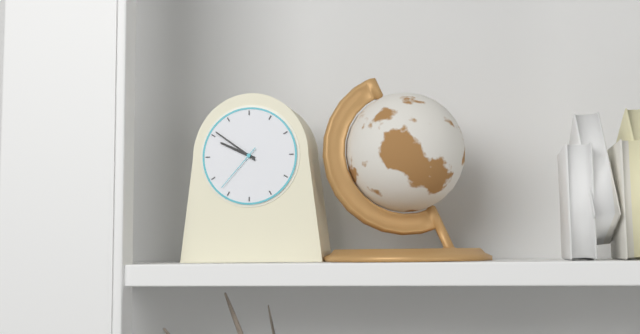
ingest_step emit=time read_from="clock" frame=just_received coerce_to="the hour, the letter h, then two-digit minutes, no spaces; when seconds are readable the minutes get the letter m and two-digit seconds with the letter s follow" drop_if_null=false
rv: 9h51m37s
